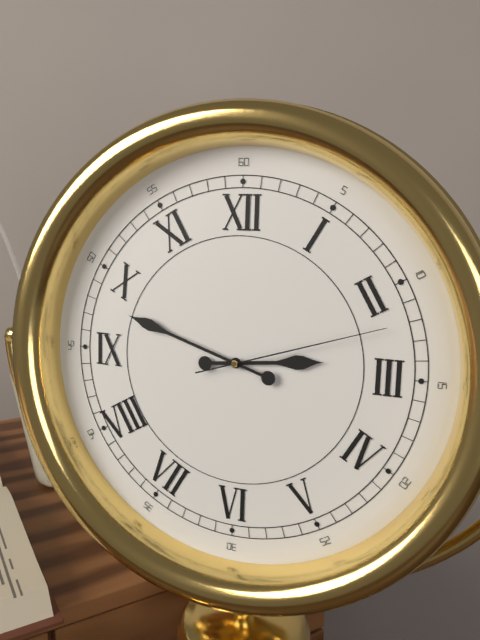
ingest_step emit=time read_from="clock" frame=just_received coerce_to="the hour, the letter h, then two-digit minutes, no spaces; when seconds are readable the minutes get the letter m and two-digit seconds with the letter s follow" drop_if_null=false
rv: 2h48m12s
